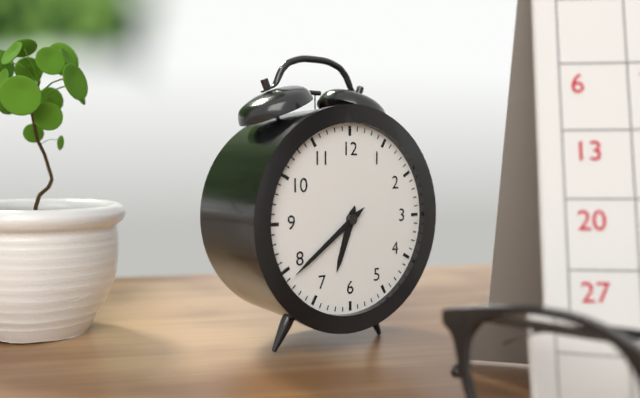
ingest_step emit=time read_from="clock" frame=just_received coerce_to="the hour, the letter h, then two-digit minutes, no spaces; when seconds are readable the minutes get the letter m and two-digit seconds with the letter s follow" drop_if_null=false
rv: 6h39
